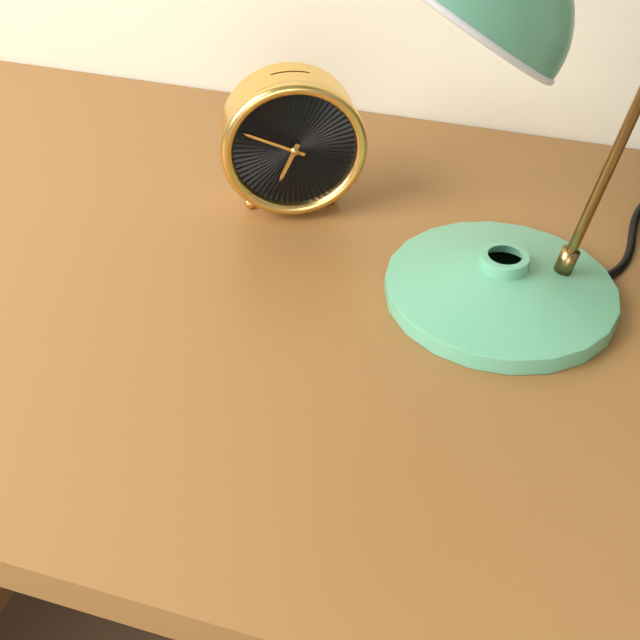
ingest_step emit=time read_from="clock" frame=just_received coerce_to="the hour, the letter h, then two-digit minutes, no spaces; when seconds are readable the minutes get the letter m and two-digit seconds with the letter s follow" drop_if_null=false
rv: 6h49
